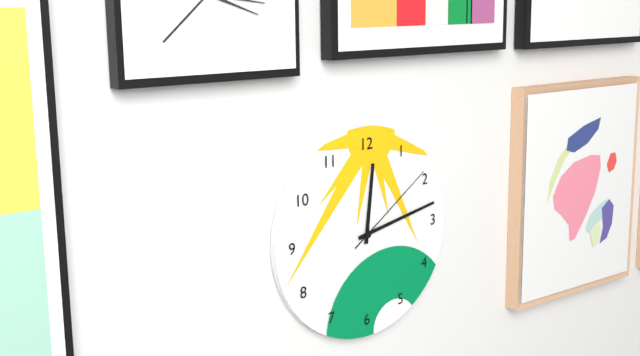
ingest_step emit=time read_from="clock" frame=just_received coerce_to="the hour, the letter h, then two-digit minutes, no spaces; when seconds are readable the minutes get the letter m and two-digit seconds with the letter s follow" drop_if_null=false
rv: 12h13m09s
